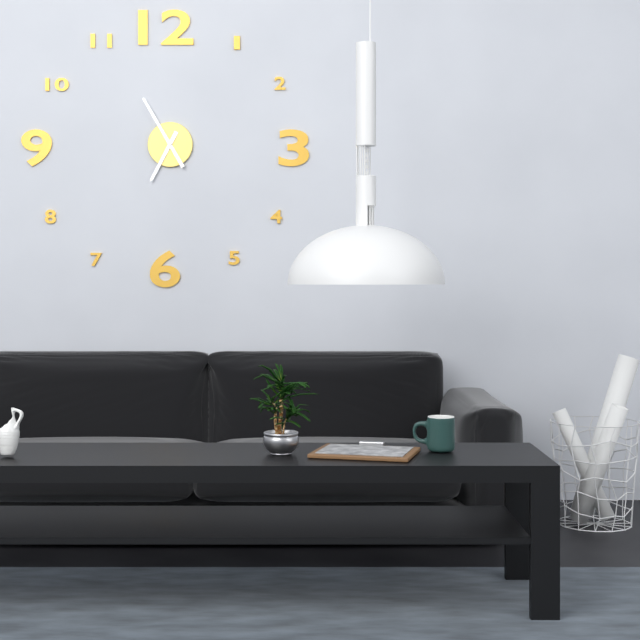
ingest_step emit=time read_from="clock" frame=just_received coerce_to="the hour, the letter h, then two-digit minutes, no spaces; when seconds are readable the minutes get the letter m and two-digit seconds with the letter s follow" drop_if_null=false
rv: 6h55
